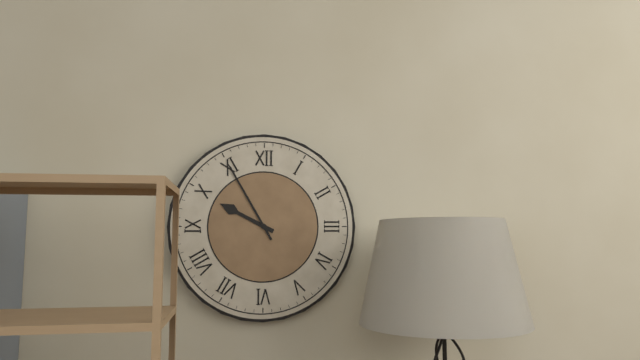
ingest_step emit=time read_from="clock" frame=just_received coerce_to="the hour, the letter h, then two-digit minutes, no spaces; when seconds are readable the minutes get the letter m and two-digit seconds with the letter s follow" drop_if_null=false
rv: 9h55
